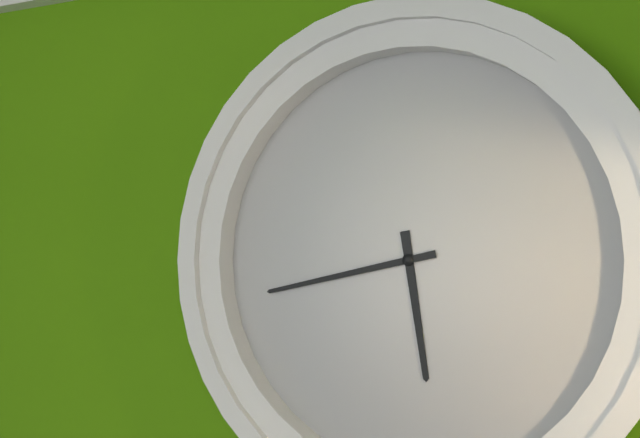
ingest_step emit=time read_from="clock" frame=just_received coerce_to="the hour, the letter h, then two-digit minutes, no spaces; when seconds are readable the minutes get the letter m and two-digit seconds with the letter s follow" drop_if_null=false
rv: 5h43
